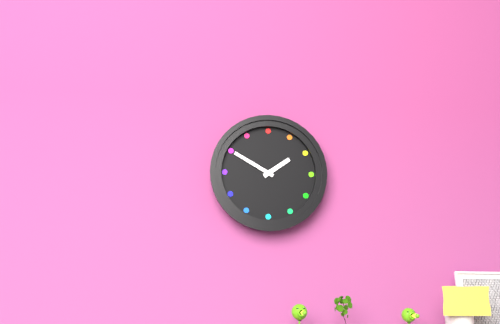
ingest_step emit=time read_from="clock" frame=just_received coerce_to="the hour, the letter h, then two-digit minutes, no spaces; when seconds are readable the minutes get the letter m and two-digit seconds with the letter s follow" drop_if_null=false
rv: 1h50
